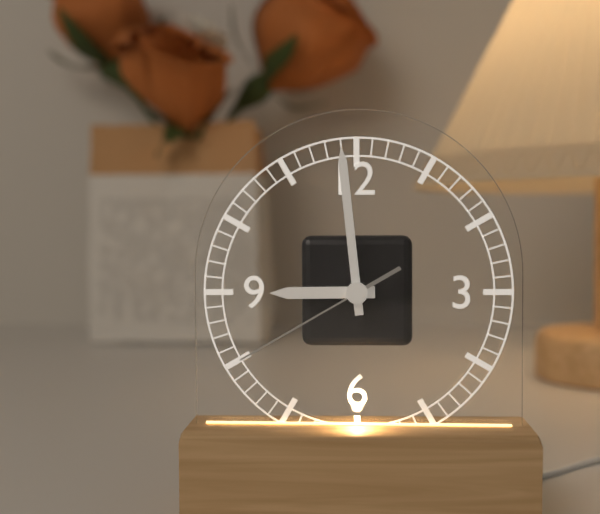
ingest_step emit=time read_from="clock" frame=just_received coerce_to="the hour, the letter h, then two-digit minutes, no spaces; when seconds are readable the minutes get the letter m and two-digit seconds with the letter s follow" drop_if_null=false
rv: 8h59m40s
